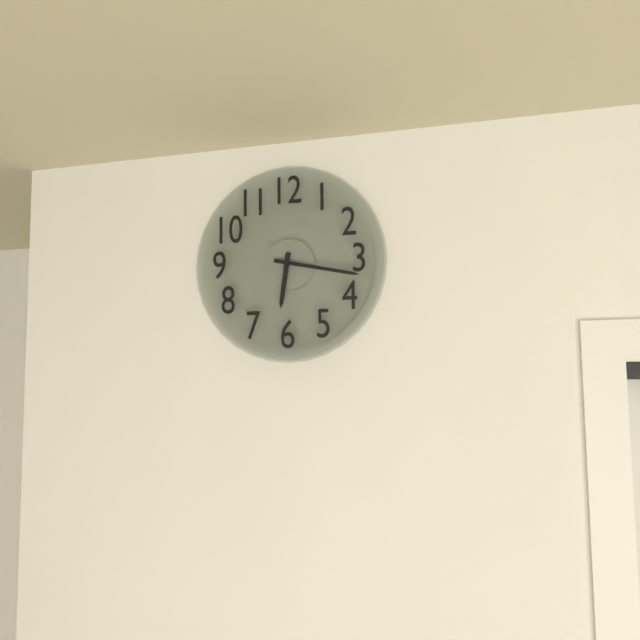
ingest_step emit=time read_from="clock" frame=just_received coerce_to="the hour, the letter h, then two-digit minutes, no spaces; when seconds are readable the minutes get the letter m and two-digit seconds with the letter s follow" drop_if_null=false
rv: 6h17
